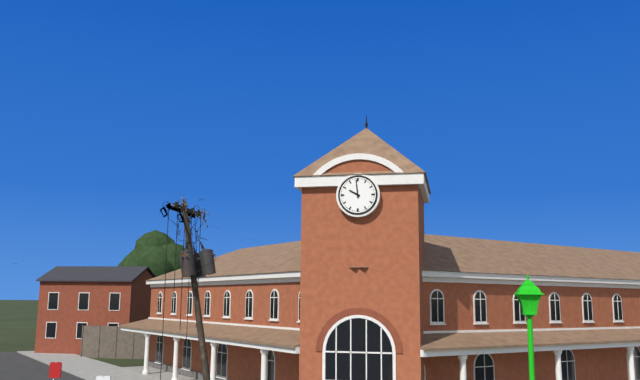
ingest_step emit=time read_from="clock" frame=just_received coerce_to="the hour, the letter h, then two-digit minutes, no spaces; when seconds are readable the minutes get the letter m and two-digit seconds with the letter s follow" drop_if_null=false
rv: 9h59
